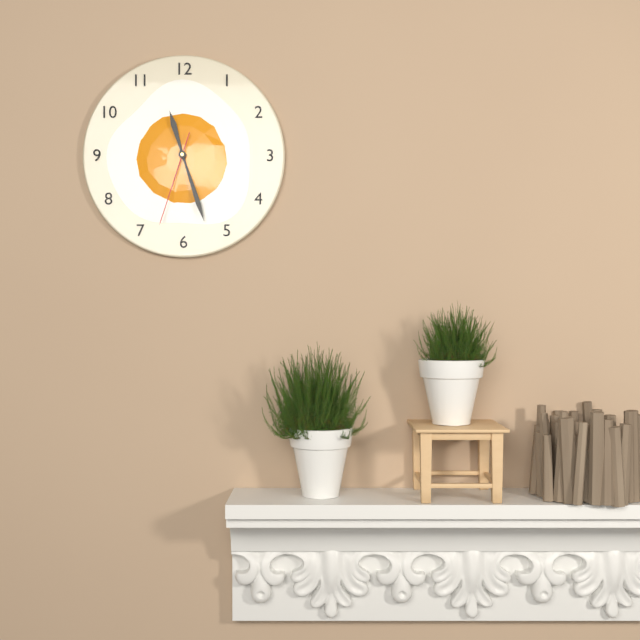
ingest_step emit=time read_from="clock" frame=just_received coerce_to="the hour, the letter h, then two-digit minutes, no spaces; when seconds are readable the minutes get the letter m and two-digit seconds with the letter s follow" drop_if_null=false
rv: 11h27m33s
